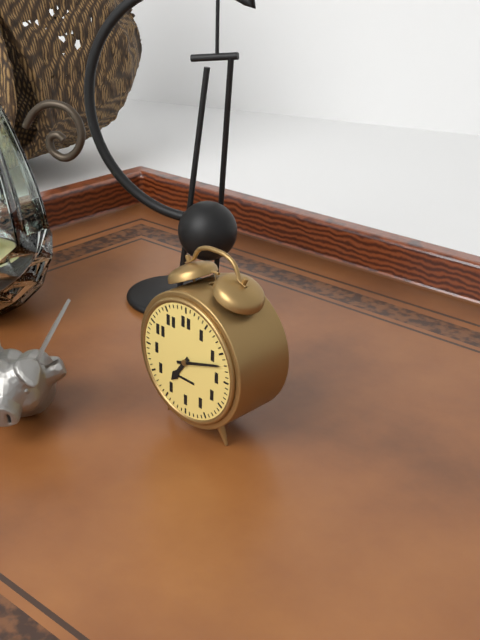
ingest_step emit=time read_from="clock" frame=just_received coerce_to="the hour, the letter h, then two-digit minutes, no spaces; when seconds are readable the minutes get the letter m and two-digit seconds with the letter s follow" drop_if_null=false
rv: 7h12
